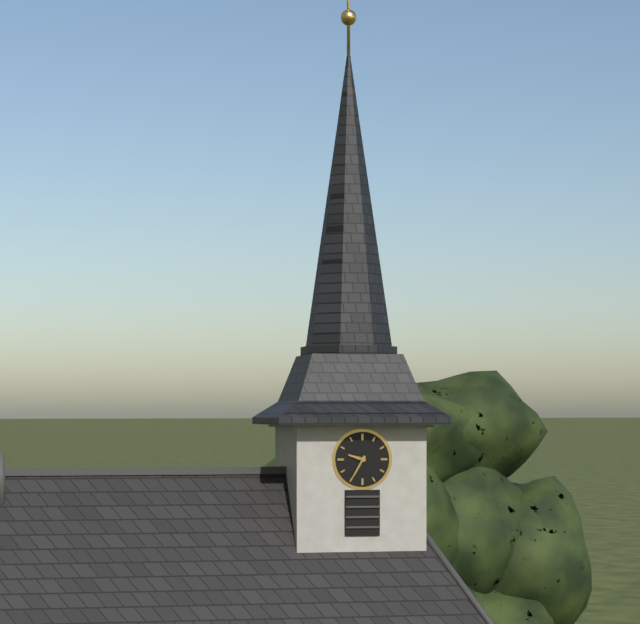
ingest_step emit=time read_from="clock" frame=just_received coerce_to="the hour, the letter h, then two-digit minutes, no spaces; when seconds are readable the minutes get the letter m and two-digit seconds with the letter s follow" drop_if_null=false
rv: 9h35
